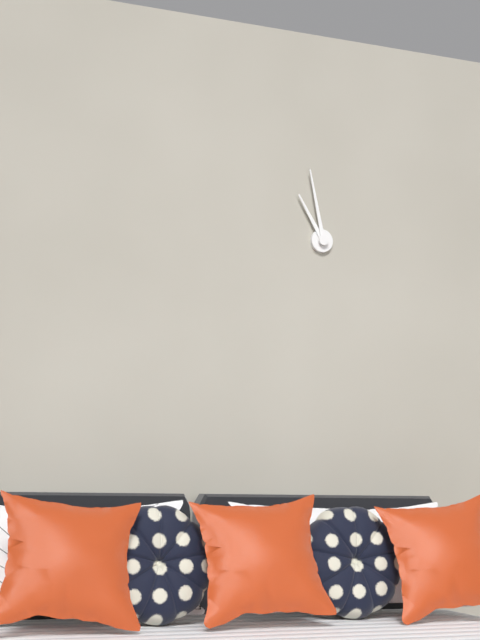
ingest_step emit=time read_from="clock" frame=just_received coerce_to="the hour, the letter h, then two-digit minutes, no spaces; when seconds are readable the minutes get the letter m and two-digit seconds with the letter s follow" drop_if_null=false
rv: 10h58
